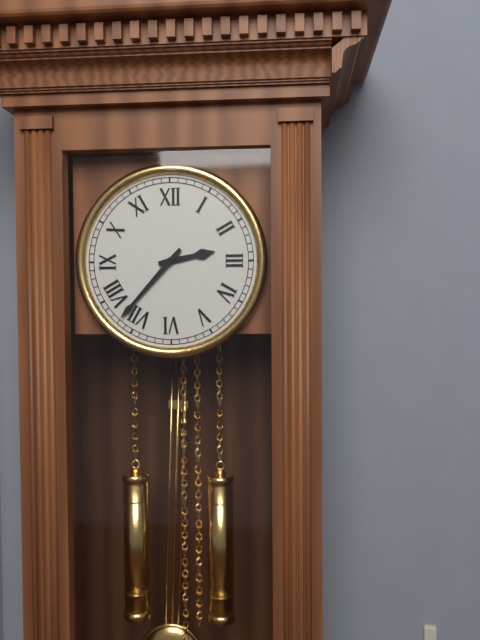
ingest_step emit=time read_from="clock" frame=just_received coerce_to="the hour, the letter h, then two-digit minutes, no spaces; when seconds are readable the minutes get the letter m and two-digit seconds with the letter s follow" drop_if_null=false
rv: 2h37
